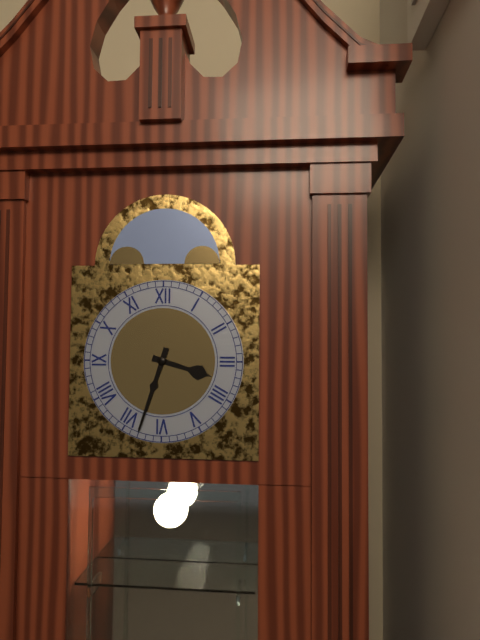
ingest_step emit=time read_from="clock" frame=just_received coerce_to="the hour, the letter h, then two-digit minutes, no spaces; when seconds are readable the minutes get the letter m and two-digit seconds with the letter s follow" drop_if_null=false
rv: 3h33
